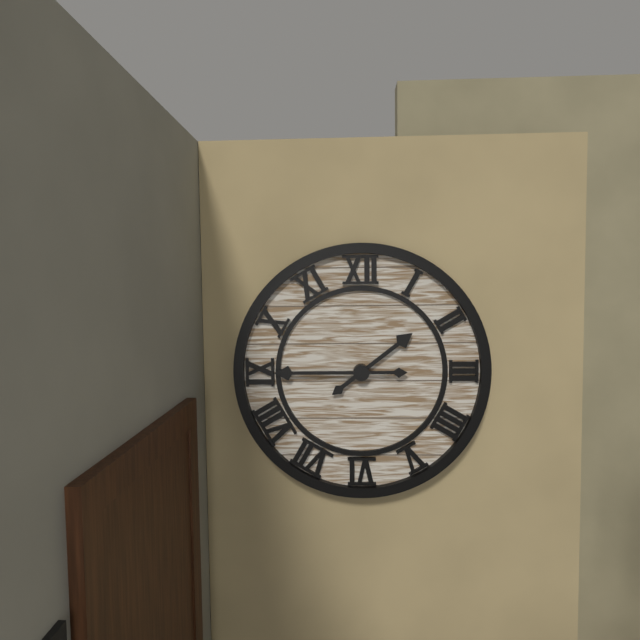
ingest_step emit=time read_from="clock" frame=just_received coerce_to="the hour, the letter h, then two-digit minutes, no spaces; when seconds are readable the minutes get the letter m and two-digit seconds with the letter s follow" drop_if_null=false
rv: 1h45
